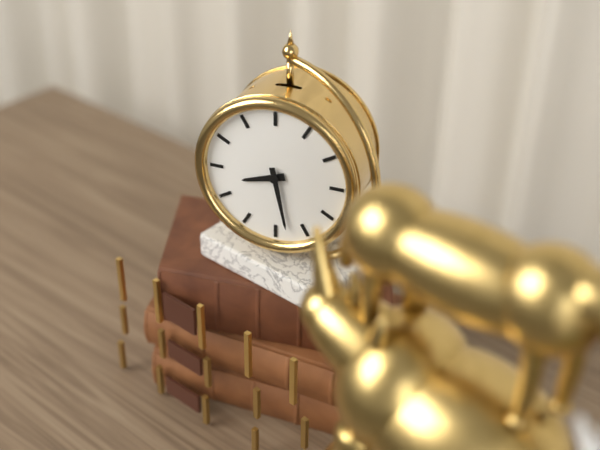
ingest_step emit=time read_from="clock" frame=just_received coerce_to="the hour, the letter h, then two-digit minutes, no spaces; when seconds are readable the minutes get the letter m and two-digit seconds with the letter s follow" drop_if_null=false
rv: 8h28
